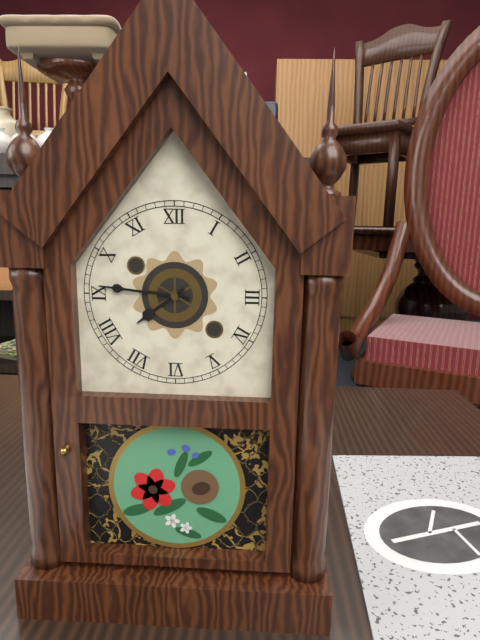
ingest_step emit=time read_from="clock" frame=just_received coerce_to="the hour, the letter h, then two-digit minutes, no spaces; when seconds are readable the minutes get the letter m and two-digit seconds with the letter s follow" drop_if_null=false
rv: 7h46
